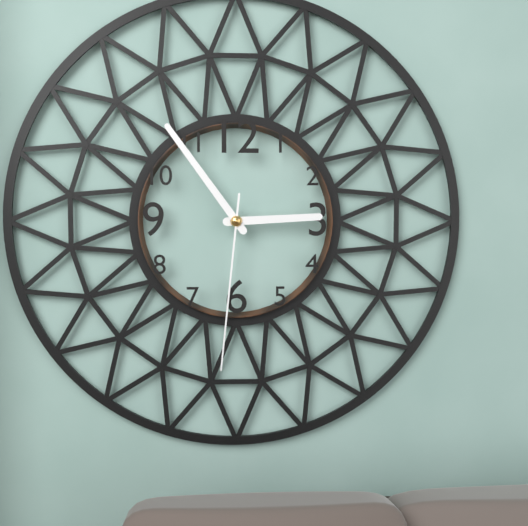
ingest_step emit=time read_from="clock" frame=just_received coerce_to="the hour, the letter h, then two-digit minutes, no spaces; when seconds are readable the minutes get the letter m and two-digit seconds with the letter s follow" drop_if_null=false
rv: 2h54m31s
